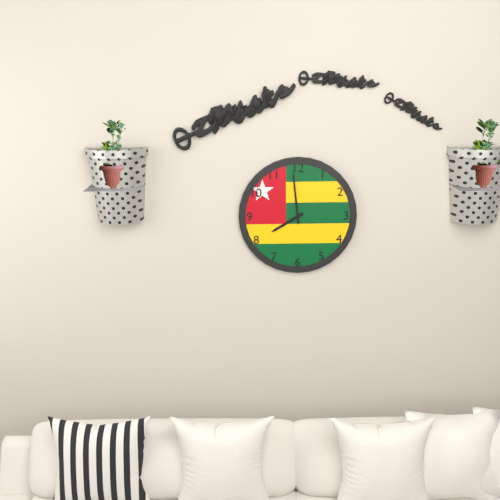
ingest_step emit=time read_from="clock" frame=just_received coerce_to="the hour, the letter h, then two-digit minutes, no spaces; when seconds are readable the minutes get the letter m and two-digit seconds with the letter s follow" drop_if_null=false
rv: 7h59
